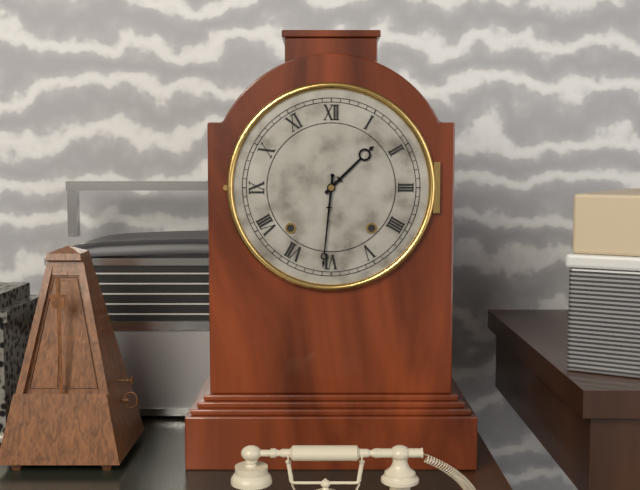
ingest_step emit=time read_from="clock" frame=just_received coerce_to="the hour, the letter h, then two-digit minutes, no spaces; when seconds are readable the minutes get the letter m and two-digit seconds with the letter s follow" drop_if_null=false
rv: 1h31
